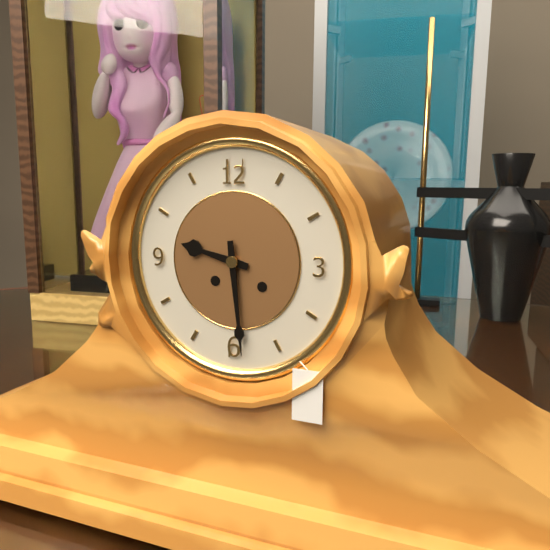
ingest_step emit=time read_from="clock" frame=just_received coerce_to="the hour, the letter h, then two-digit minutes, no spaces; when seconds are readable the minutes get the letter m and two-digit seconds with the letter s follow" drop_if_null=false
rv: 9h29
